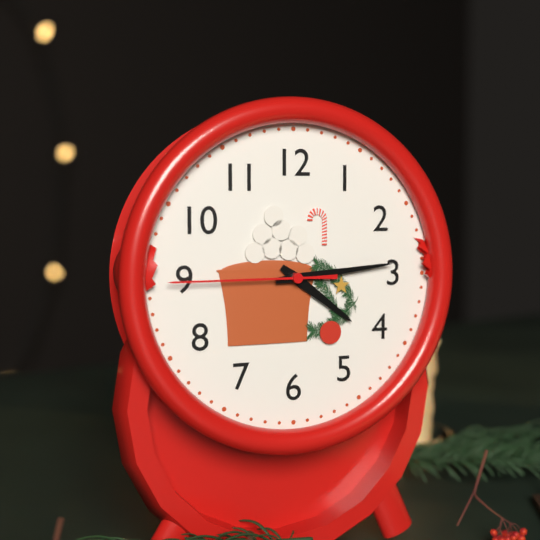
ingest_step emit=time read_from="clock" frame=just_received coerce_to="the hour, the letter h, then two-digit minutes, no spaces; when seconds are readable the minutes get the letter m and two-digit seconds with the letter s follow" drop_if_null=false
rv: 4h14m45s
